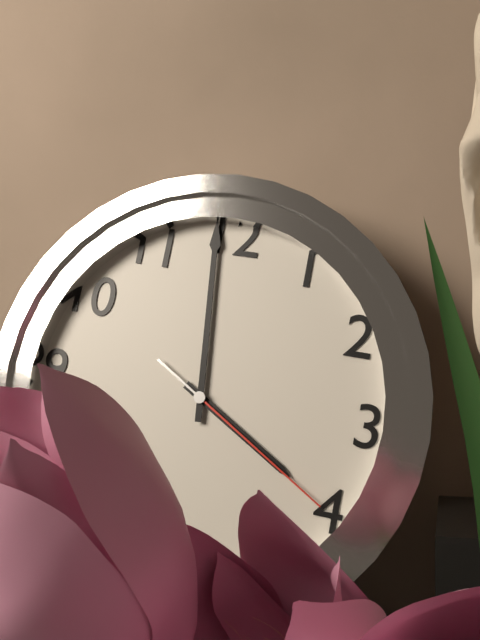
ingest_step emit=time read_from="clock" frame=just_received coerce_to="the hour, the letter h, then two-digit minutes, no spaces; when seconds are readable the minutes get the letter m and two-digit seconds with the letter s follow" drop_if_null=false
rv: 3h59m20s
